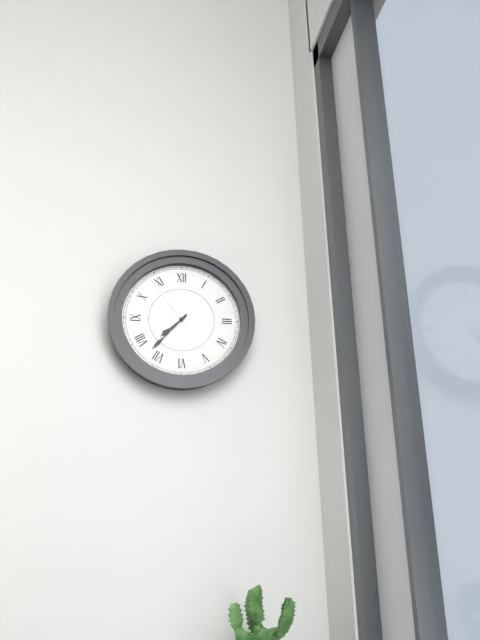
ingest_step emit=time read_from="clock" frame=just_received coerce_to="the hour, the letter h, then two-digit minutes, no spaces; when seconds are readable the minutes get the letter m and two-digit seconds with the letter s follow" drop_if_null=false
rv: 7h37m54s
